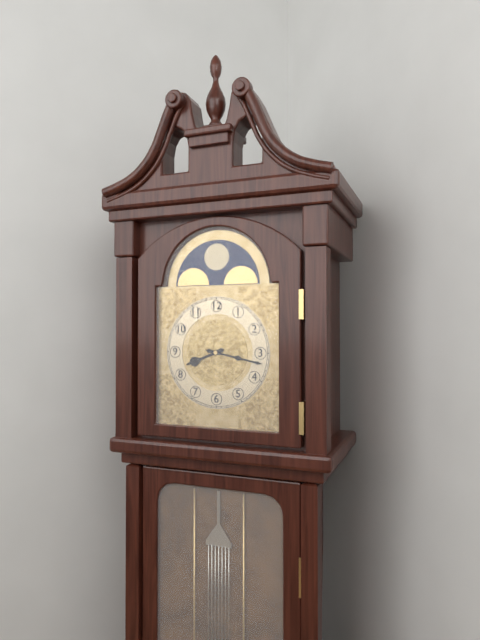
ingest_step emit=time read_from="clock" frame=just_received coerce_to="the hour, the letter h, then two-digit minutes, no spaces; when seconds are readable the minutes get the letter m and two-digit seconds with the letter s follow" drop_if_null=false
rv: 8h17
